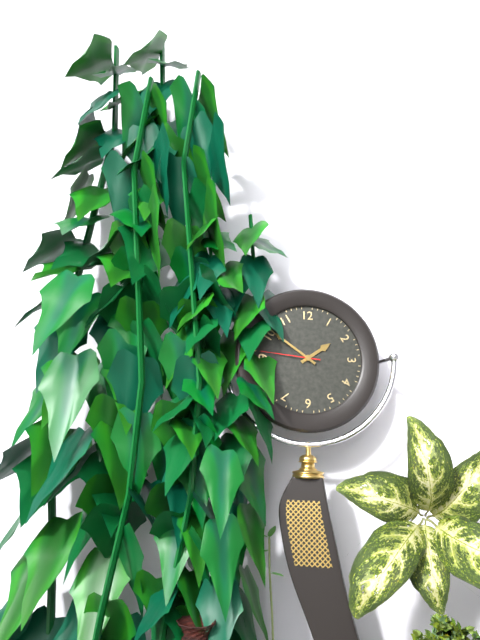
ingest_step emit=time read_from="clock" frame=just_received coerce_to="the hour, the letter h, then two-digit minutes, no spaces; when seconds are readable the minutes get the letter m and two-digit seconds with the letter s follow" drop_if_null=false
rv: 1h51m46s
